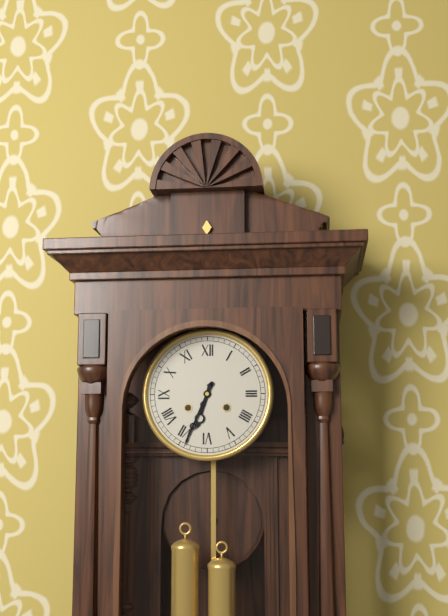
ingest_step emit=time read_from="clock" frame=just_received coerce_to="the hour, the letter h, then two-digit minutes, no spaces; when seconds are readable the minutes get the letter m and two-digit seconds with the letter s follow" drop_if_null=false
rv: 6h34
